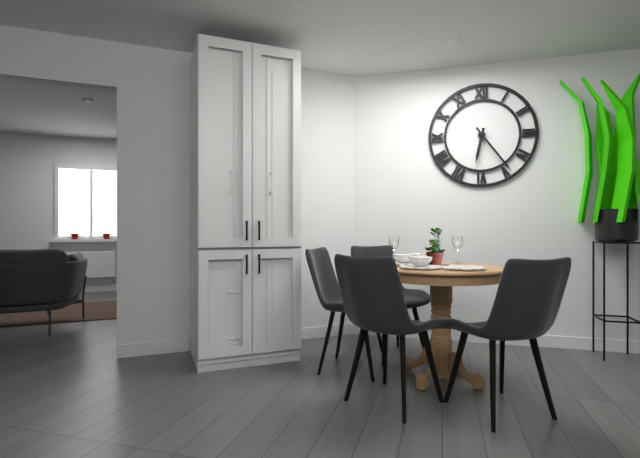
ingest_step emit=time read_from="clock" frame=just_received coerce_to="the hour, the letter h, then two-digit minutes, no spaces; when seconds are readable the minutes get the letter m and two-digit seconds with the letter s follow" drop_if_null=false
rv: 6h24
